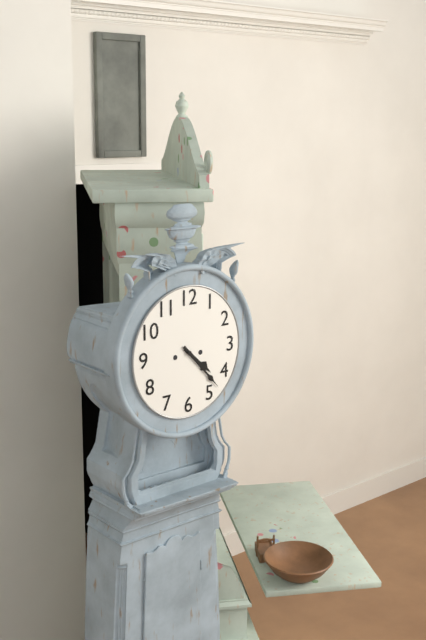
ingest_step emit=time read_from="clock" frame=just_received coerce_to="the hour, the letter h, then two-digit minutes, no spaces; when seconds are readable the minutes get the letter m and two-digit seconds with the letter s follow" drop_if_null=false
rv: 4h23
